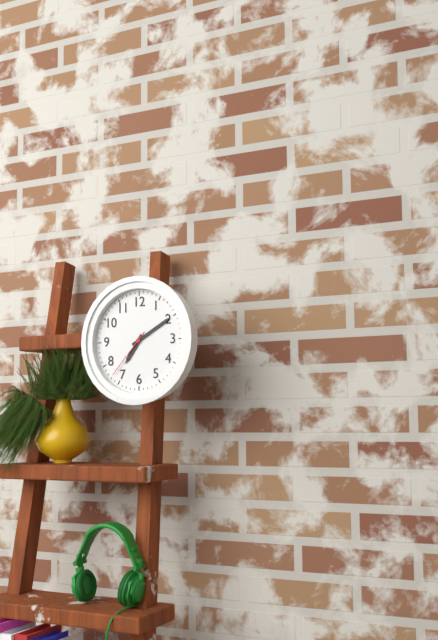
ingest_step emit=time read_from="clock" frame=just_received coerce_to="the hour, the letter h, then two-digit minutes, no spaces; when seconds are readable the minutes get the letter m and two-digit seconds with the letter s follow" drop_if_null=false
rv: 7h10m37s
